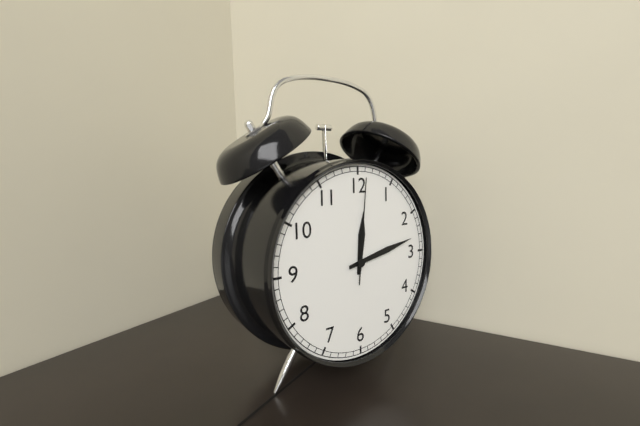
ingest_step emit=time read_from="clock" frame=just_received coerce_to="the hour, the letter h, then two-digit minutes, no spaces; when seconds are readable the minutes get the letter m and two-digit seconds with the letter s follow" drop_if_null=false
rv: 12h13m01s
